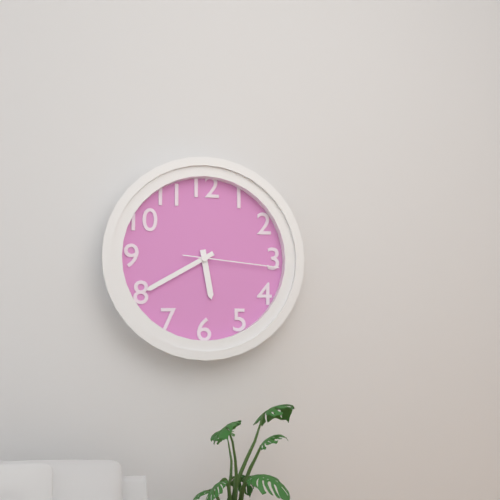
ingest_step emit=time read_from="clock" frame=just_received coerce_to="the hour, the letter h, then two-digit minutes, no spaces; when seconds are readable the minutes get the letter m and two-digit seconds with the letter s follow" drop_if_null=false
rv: 5h40m16s
